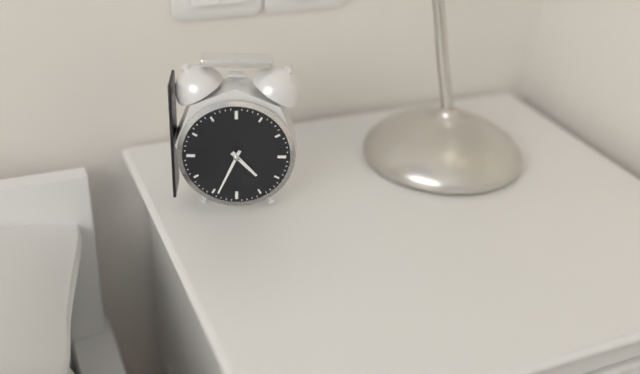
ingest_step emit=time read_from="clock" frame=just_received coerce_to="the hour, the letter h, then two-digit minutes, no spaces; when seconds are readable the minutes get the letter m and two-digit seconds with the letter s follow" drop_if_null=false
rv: 4h34
